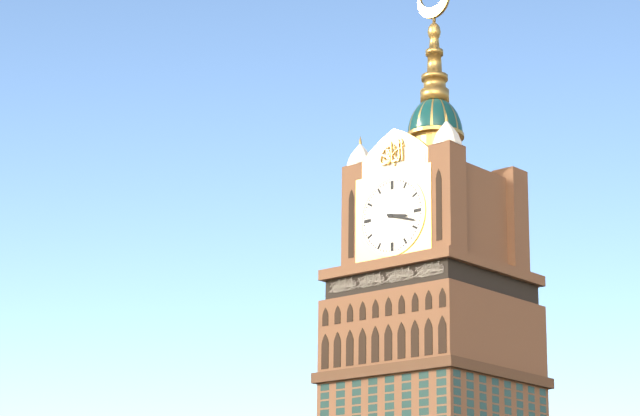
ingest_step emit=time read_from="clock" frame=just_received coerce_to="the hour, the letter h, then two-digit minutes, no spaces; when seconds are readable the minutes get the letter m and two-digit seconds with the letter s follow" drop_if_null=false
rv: 3h18
